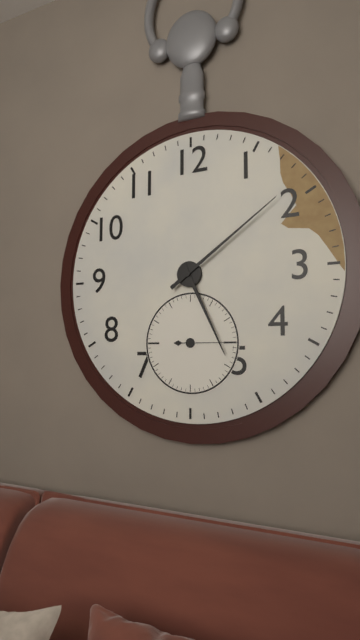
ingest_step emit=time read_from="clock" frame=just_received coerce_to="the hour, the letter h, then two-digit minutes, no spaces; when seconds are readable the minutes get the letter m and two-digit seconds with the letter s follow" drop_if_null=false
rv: 5h09
